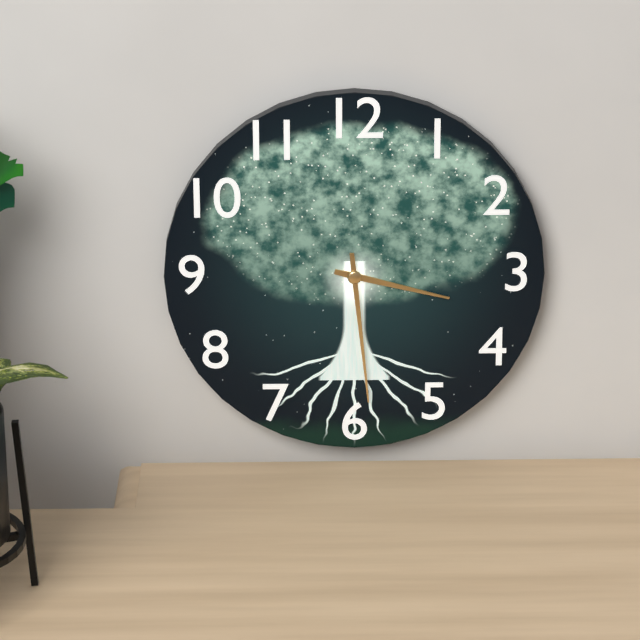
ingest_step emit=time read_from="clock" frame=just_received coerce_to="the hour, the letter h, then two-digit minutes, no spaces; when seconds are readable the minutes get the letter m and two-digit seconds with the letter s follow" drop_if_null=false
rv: 3h29
